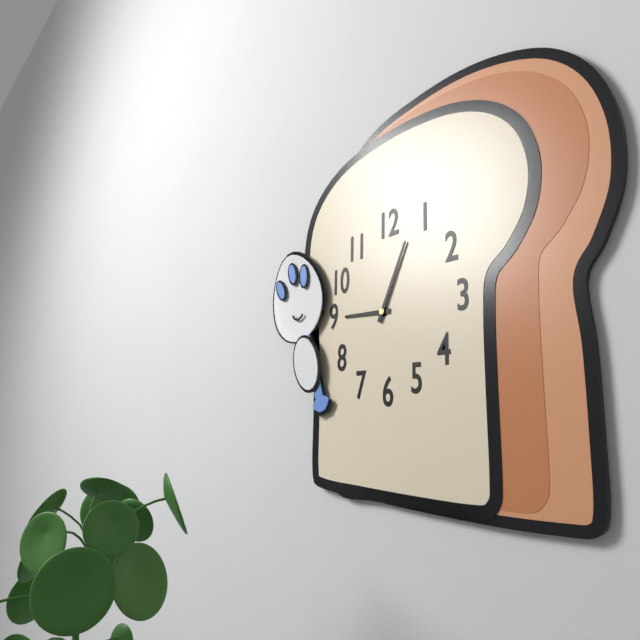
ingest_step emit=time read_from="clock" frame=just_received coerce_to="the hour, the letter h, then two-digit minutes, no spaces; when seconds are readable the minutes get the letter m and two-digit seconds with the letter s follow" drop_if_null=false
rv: 9h04
